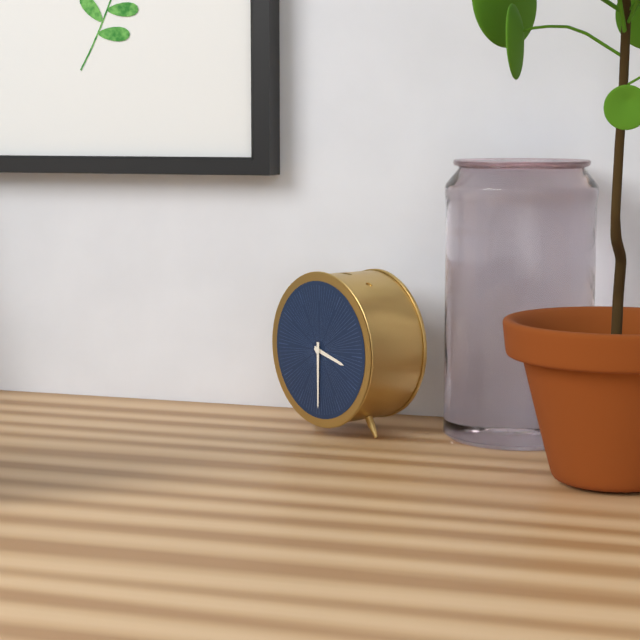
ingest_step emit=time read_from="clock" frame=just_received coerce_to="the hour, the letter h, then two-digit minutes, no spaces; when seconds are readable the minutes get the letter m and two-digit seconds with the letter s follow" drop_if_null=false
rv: 3h30
